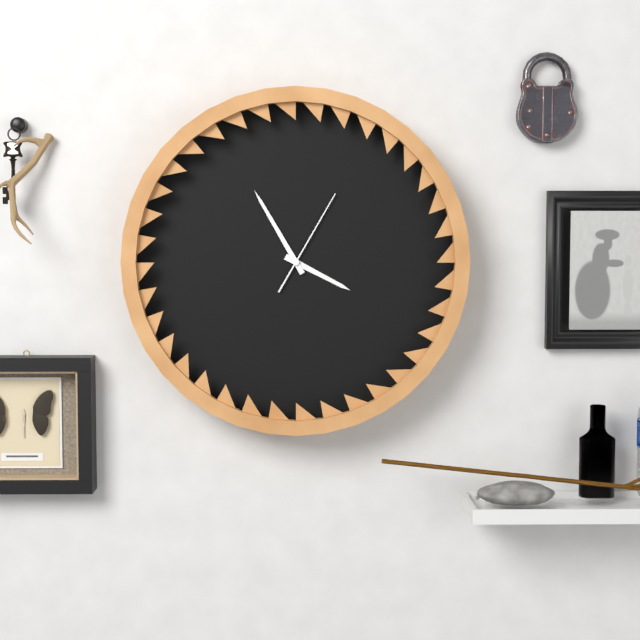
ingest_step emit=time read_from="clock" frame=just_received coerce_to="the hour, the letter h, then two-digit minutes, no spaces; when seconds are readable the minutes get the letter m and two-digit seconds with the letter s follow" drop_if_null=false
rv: 3h55m05s
